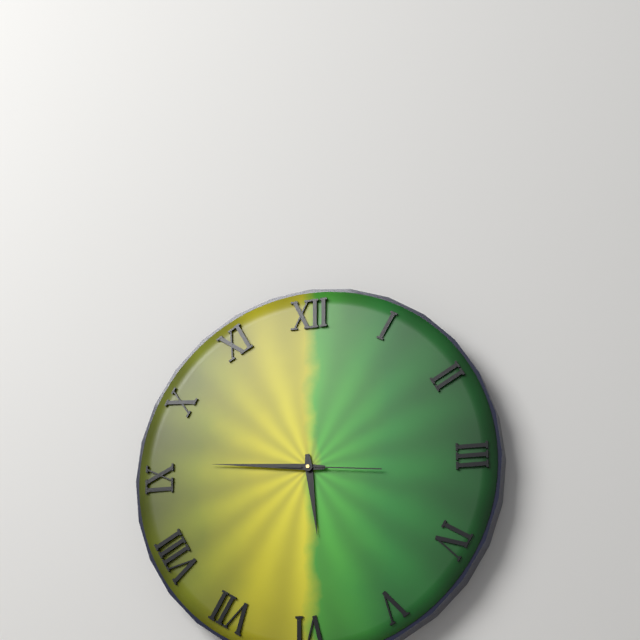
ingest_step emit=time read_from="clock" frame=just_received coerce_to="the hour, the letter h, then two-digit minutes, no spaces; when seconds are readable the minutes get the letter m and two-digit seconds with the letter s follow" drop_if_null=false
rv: 5h46m16s
